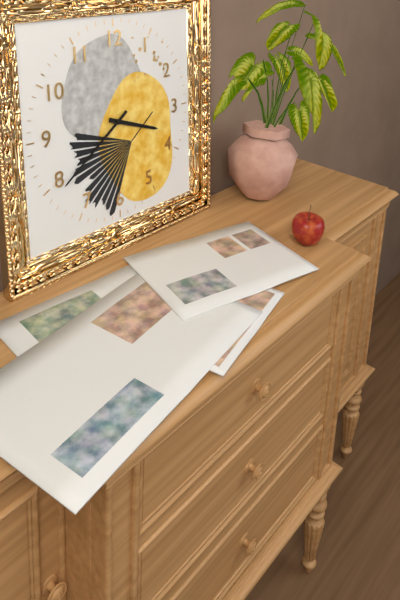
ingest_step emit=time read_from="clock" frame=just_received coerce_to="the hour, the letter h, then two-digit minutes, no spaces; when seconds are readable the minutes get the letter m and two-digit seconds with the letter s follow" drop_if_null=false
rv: 3h39
